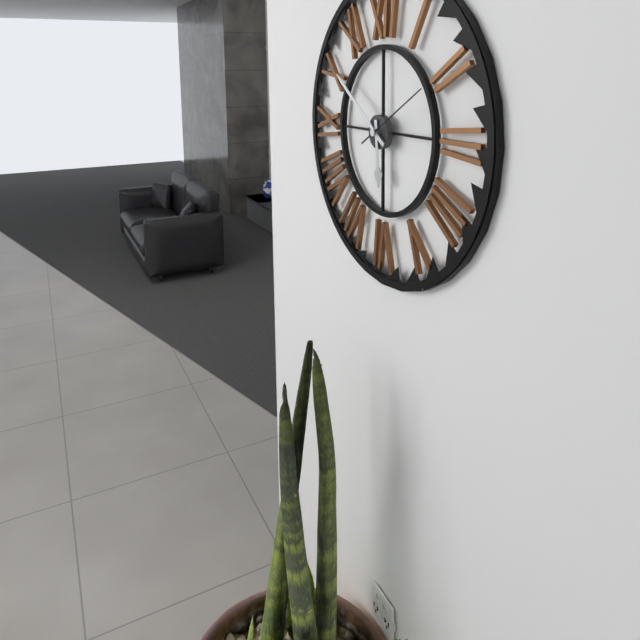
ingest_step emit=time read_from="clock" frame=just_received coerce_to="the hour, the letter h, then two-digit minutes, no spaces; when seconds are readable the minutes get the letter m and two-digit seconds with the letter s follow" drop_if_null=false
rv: 5h51m10s
